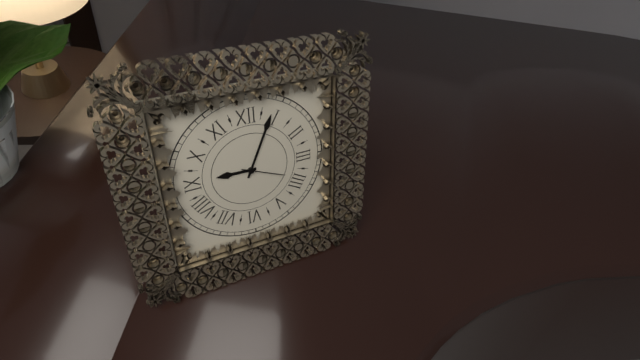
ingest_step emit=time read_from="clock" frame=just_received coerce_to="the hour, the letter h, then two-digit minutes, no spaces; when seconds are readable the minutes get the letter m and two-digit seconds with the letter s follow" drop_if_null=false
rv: 9h04
